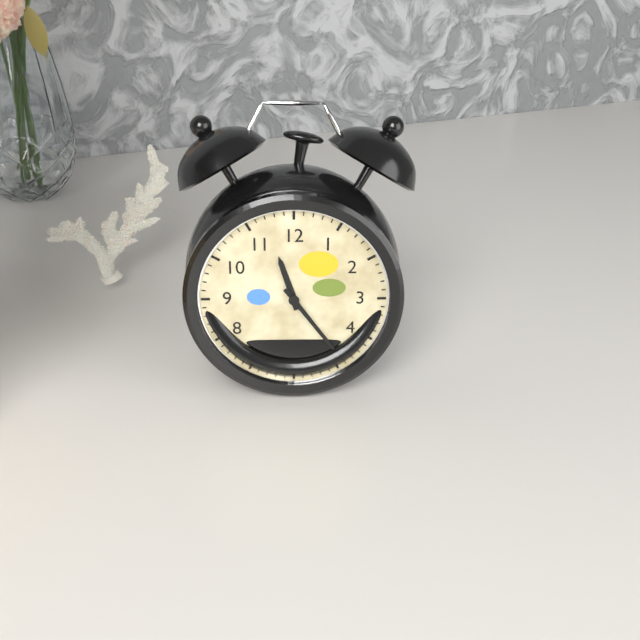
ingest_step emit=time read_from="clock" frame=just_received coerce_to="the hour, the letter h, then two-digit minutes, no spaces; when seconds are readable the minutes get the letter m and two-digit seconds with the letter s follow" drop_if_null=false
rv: 11h24
